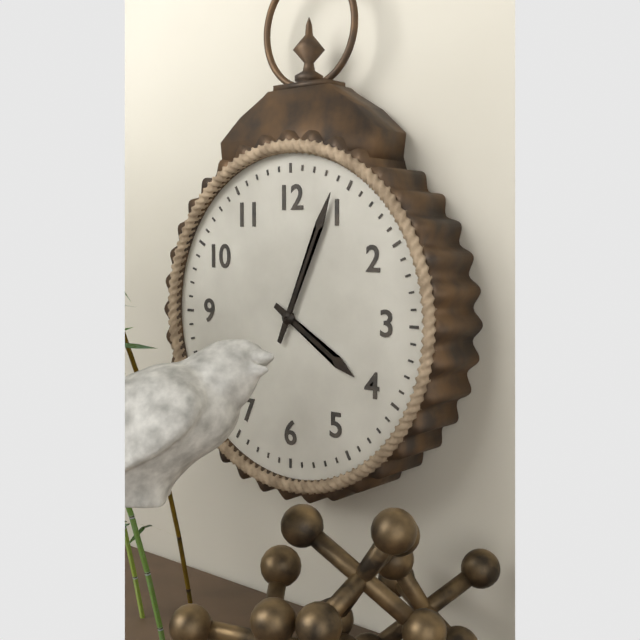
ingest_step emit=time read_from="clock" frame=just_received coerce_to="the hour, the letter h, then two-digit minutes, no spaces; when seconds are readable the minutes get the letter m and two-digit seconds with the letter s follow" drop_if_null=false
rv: 4h04
